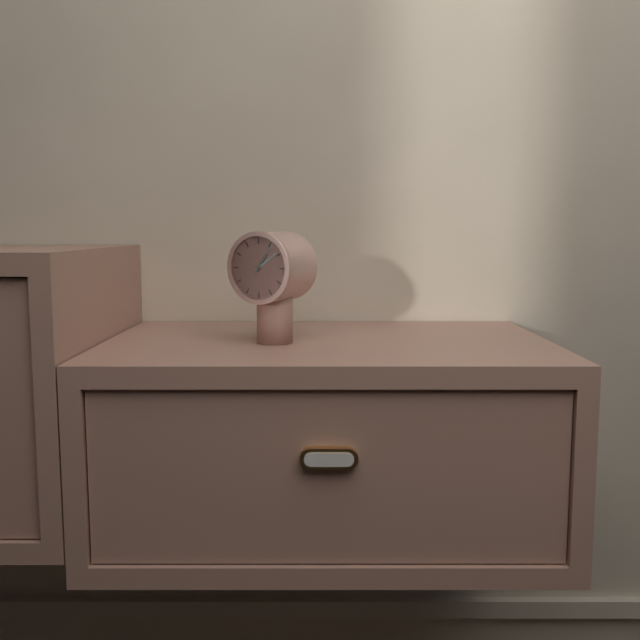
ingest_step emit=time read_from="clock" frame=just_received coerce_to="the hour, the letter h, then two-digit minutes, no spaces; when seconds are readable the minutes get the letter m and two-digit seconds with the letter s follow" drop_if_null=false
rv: 1h09
